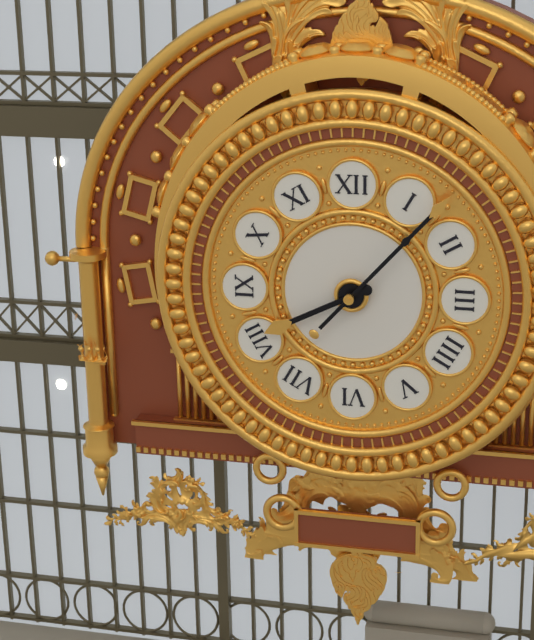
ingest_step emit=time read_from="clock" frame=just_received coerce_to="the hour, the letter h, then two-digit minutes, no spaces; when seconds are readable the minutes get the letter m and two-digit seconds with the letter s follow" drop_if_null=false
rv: 8h07
